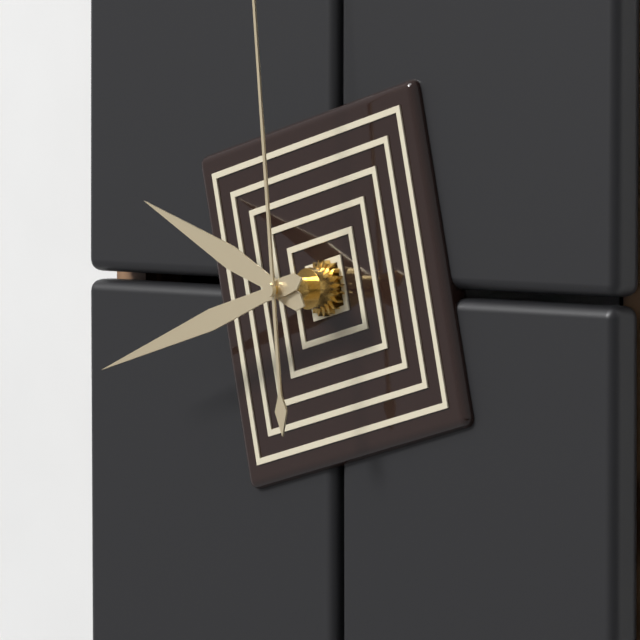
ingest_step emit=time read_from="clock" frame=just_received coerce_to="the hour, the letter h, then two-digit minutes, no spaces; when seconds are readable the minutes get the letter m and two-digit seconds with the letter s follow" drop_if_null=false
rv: 9h42
